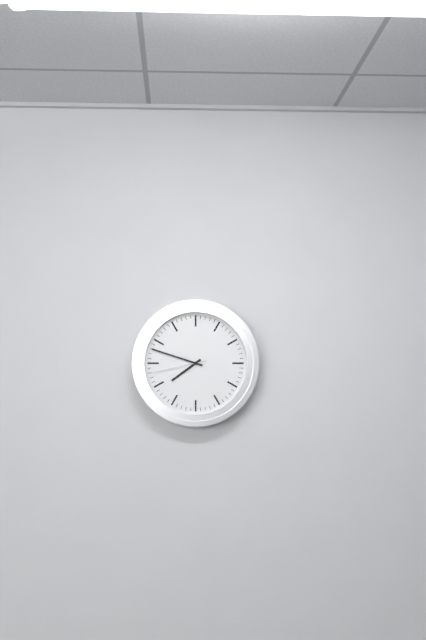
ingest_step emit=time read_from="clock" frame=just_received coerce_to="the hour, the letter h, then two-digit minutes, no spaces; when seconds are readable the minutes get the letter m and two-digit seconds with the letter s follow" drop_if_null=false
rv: 7h48m43s
